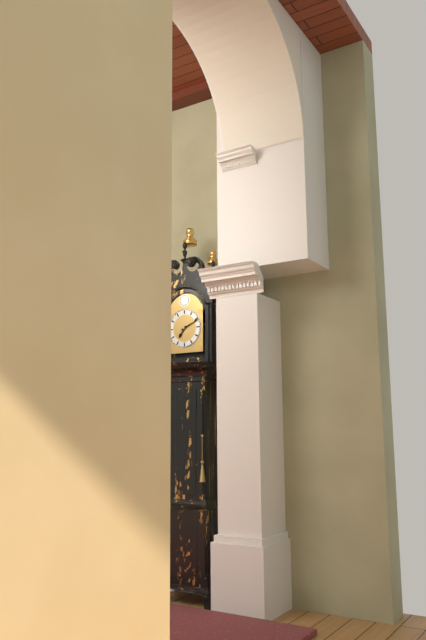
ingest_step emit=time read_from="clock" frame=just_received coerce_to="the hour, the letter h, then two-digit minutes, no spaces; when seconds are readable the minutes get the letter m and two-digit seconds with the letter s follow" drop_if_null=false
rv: 7h11
